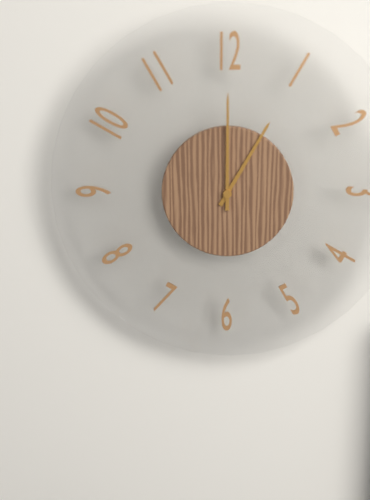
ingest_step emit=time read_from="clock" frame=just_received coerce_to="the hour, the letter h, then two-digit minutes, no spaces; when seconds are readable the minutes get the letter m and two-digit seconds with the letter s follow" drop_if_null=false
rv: 1h00
